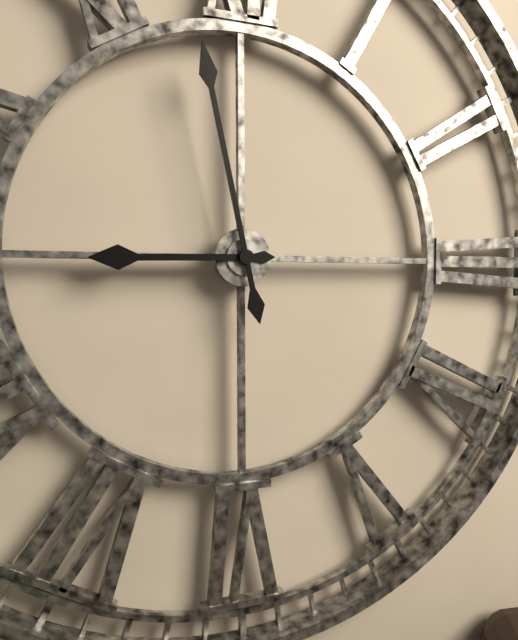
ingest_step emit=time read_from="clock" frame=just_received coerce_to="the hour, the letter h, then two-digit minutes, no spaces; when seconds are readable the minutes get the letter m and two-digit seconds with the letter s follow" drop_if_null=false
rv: 8h58
